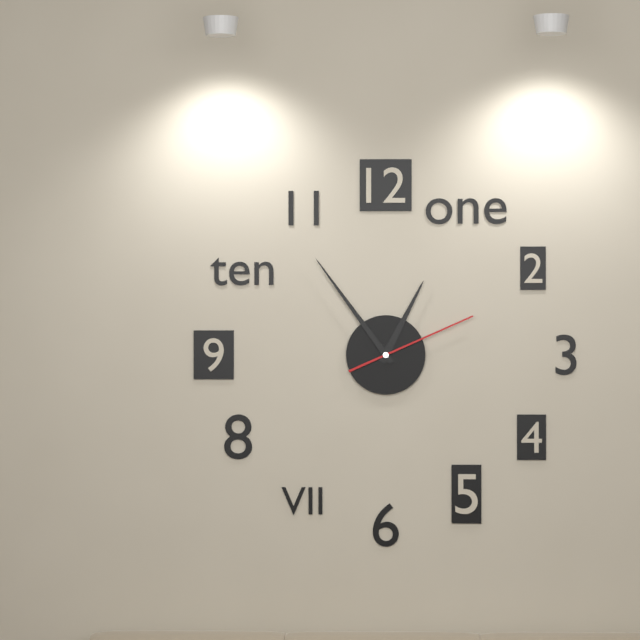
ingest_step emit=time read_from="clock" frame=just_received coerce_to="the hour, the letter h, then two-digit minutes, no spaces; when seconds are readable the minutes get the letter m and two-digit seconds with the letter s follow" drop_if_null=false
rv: 12h54m11s
